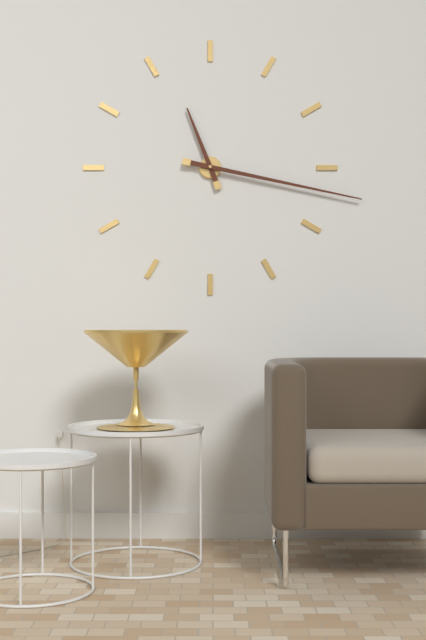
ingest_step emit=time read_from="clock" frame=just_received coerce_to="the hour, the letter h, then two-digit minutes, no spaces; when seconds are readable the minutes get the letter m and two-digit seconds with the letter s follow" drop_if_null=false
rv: 11h17
